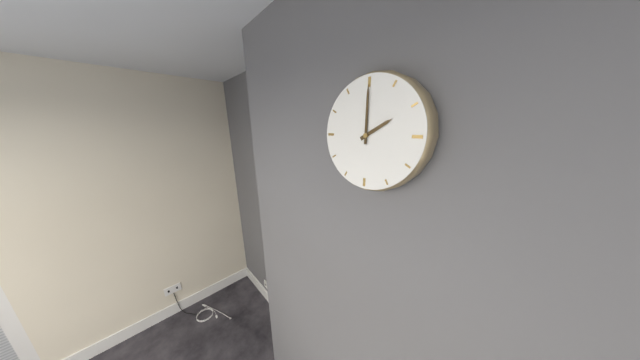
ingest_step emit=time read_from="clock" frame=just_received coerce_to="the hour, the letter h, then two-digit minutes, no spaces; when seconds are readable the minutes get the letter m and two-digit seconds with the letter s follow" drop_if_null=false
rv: 2h00
